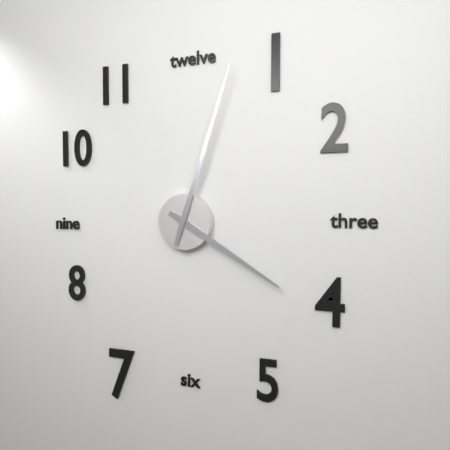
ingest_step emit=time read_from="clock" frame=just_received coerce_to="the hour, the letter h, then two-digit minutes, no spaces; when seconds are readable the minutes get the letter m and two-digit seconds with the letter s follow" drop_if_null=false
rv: 4h03
